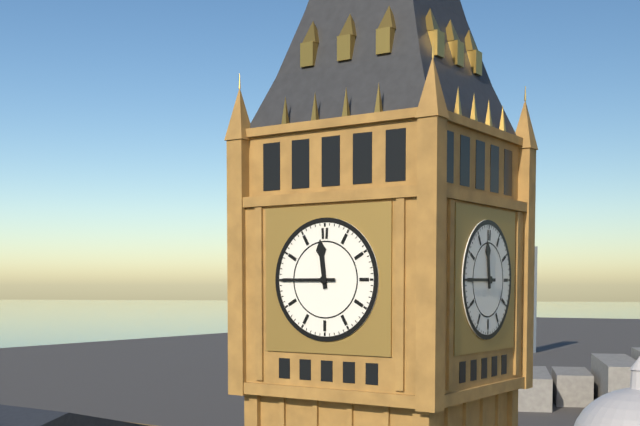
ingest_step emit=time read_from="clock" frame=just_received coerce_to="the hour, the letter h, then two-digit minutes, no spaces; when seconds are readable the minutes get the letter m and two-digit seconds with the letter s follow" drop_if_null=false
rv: 11h45
